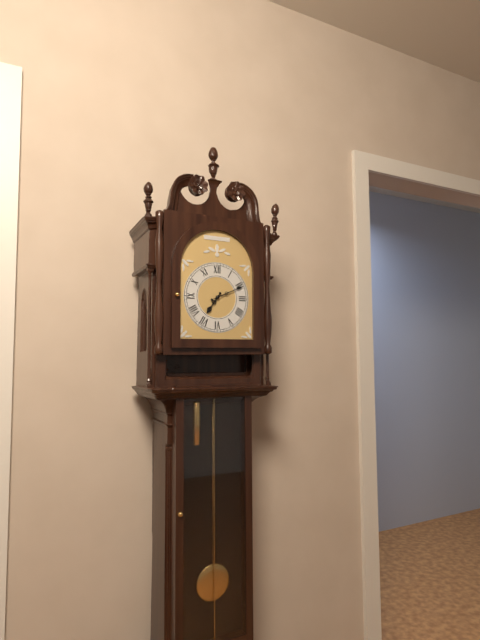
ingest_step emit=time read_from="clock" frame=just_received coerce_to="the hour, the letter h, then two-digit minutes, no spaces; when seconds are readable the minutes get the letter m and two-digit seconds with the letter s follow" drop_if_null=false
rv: 7h11
